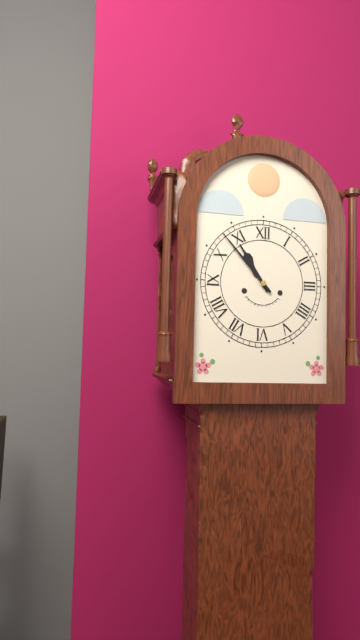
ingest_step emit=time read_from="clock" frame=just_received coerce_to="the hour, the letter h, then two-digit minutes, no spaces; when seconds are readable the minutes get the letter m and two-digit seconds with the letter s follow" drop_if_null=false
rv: 10h53
